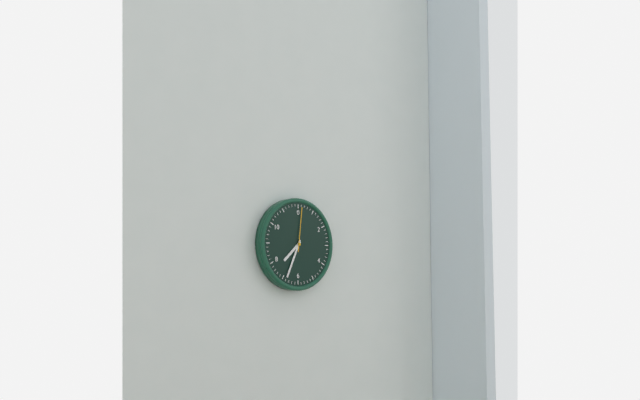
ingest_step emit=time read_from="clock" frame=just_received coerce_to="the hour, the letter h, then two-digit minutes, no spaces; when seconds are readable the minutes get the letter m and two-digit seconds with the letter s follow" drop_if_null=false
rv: 7h34
